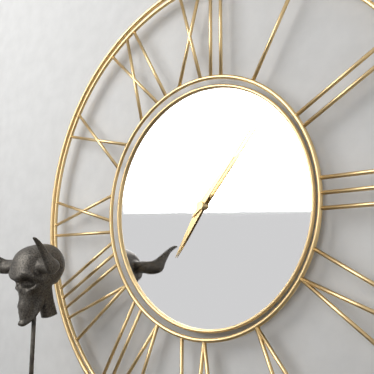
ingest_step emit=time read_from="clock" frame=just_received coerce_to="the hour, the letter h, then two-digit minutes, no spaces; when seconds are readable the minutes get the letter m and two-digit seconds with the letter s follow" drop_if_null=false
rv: 7h07
